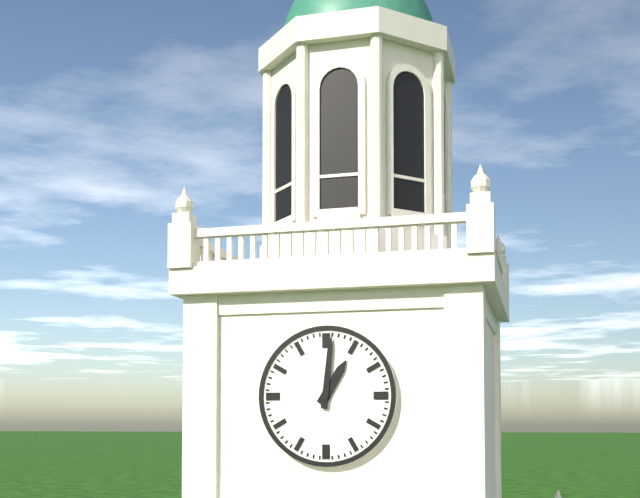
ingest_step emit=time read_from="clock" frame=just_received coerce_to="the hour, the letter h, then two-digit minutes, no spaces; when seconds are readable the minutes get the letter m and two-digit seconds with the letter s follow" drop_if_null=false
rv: 1h01
